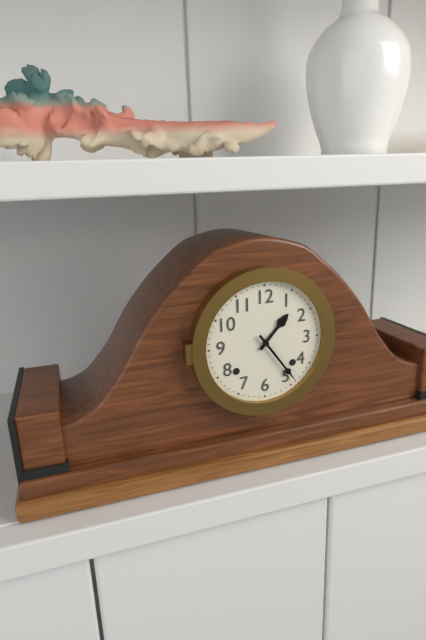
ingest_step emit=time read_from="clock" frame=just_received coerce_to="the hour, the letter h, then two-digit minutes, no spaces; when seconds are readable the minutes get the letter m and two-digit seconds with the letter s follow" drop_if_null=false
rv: 1h24
